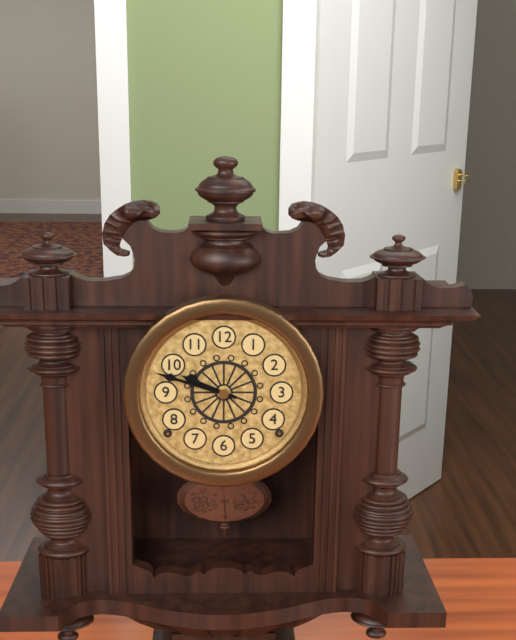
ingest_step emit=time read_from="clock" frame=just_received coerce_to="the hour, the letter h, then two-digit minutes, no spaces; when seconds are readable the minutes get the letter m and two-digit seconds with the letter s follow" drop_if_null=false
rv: 9h48
